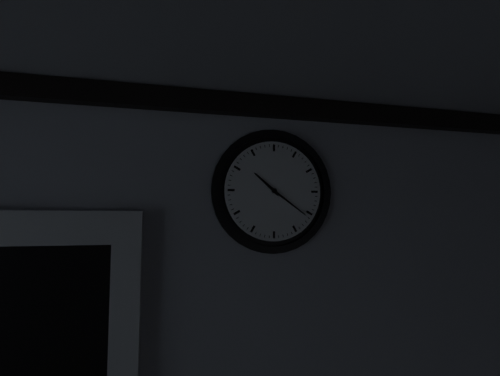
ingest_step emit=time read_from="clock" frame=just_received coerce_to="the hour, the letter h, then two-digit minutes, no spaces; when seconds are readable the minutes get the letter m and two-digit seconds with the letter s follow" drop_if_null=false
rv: 10h21
